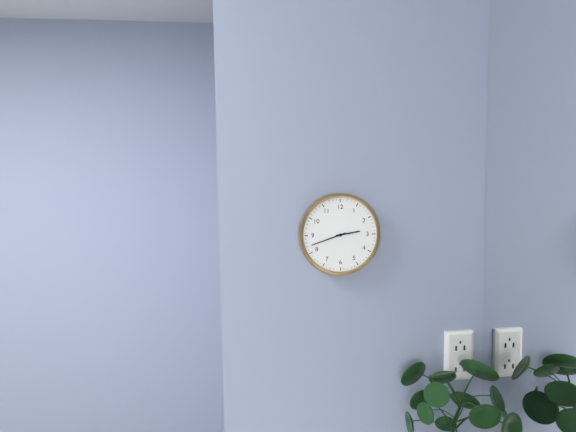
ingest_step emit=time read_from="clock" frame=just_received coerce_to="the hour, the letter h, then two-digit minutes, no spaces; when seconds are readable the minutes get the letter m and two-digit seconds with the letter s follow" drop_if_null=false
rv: 2h42
